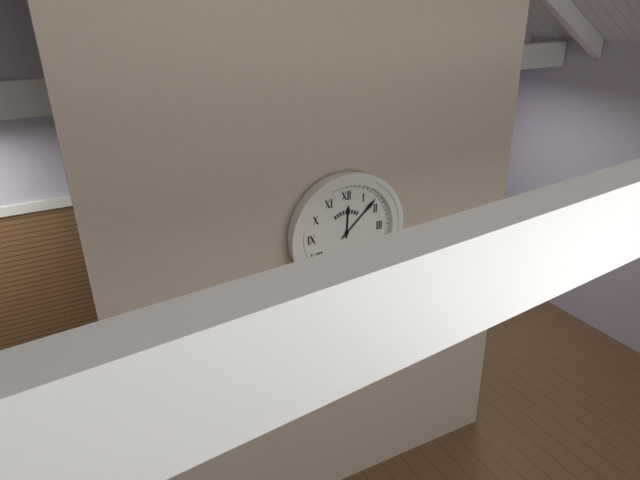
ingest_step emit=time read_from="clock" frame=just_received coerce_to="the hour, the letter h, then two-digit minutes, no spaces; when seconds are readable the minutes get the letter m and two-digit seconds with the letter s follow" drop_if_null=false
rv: 12h08
